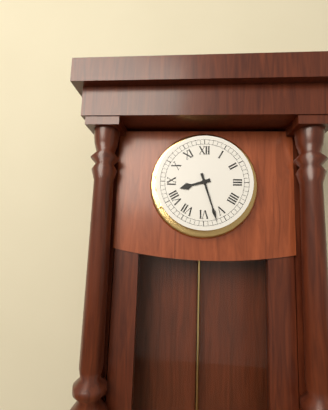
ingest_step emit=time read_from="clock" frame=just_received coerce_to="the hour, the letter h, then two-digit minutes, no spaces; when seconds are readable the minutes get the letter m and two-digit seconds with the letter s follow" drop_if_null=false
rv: 8h27
